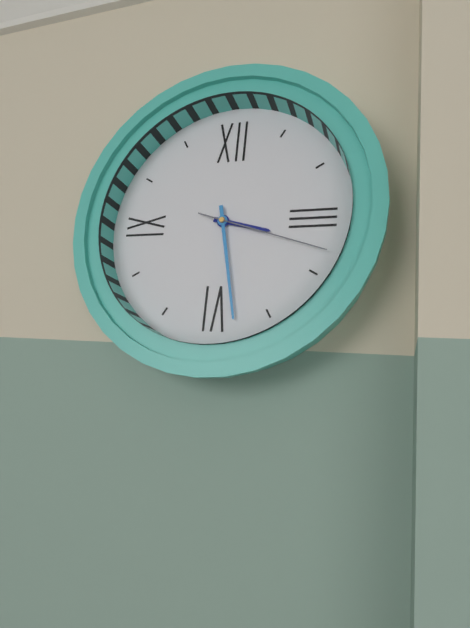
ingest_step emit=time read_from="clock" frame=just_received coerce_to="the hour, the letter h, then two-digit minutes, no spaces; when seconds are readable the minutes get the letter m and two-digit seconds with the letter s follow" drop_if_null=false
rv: 3h28m18s
